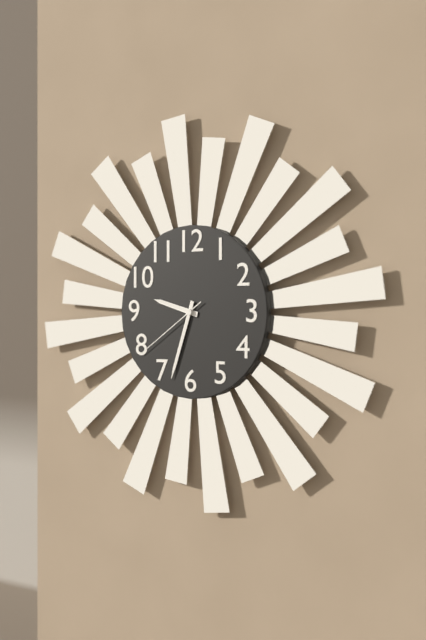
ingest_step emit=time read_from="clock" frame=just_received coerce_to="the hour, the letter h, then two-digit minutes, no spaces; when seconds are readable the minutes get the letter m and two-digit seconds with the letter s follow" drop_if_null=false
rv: 9h33m39s
